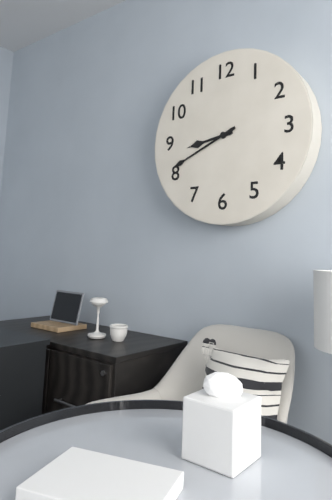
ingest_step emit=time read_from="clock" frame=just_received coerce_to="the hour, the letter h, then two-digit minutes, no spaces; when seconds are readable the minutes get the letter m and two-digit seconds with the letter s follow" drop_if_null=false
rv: 8h41
